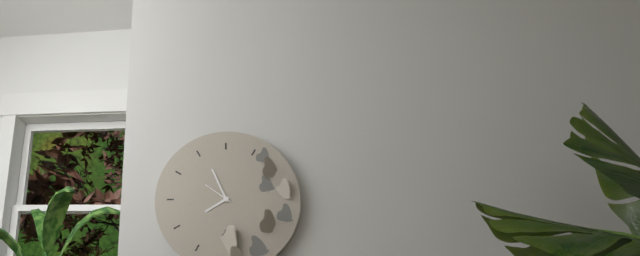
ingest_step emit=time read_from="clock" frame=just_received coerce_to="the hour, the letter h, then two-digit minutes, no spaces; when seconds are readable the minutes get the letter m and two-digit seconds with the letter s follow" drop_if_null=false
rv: 7h56
